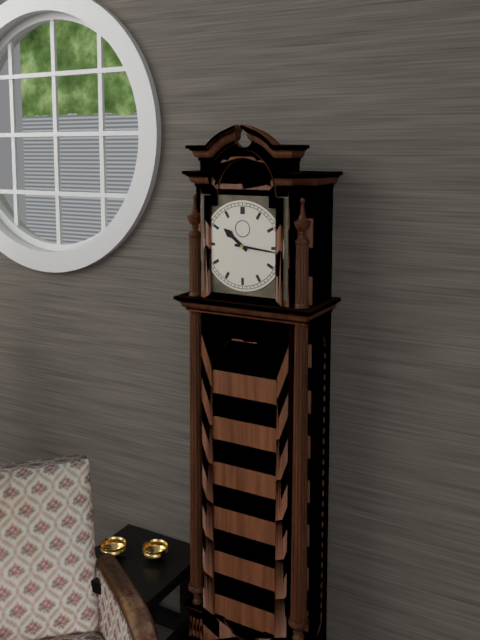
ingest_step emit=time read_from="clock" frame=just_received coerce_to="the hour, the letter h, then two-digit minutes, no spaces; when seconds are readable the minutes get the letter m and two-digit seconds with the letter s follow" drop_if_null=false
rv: 10h16
